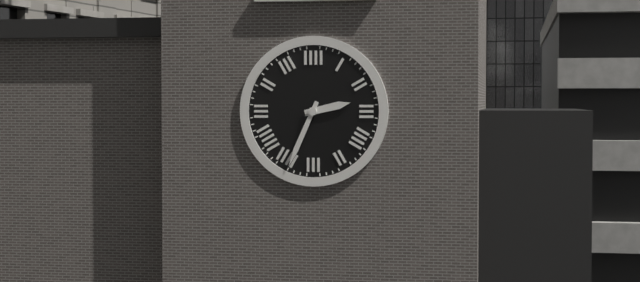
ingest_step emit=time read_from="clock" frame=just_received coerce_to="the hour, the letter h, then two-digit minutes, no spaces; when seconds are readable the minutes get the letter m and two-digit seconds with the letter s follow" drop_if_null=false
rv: 2h34
